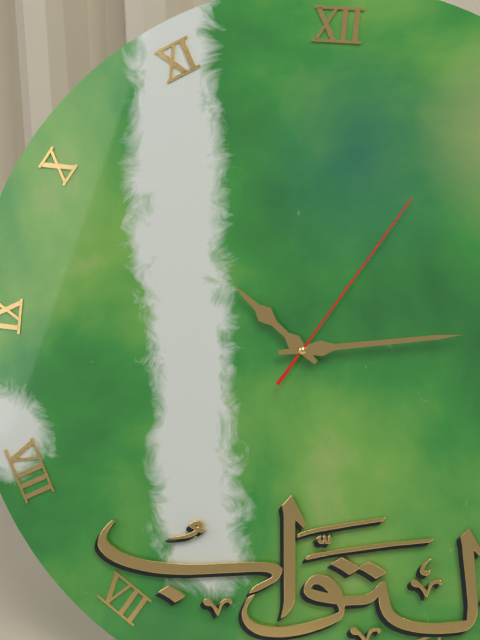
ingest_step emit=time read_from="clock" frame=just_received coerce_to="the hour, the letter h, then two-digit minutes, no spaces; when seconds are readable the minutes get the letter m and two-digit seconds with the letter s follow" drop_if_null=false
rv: 10h13m05s
